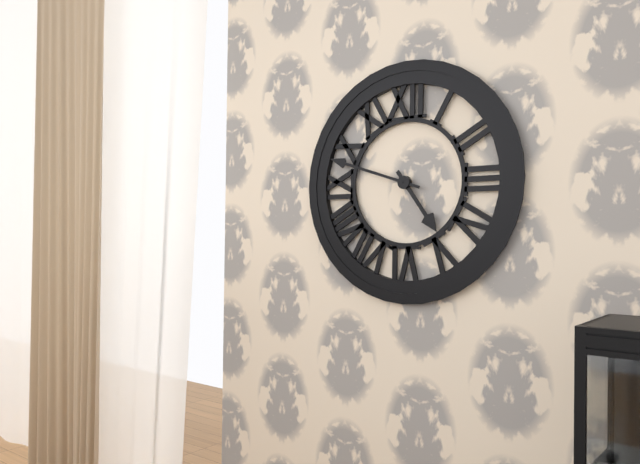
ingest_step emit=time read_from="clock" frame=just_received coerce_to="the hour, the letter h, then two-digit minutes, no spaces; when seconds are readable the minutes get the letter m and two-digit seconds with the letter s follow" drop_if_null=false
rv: 4h48
